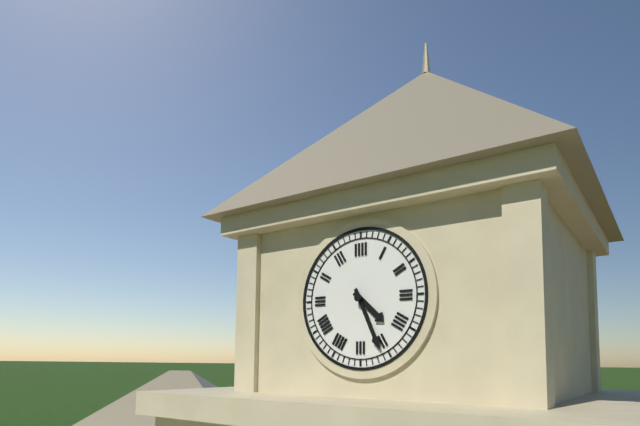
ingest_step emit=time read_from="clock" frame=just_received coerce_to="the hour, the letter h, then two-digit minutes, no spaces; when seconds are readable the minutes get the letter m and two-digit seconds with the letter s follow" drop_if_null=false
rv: 4h26
